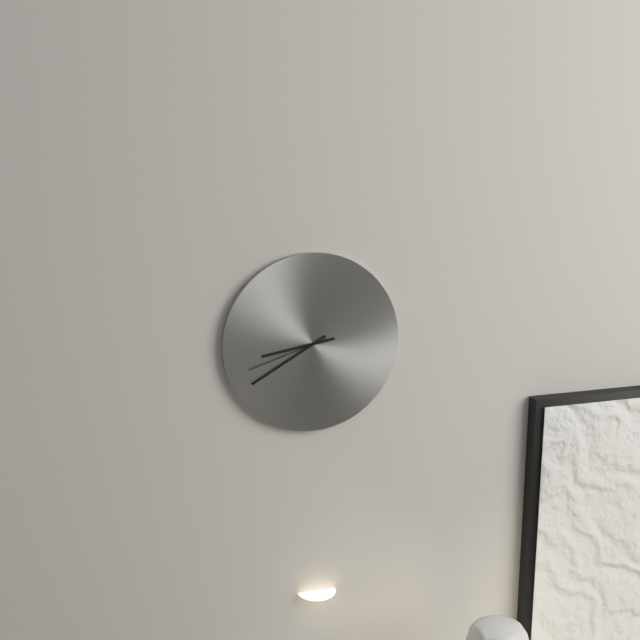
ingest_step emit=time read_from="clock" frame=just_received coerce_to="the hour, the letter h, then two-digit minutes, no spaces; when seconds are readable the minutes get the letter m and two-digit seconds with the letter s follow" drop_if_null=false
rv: 8h40m42s
